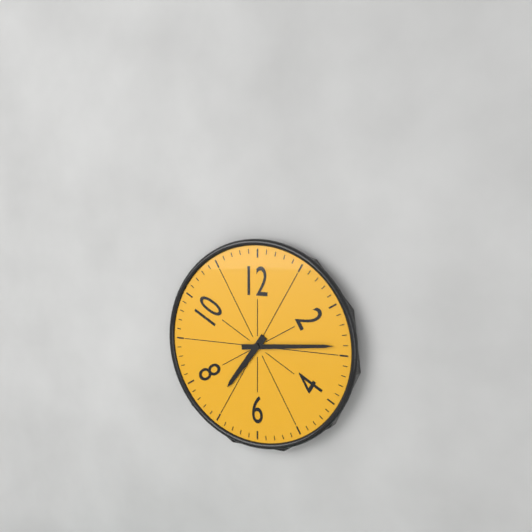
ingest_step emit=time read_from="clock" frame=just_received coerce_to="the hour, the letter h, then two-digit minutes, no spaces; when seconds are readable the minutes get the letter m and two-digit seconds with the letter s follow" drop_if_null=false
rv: 7h14
